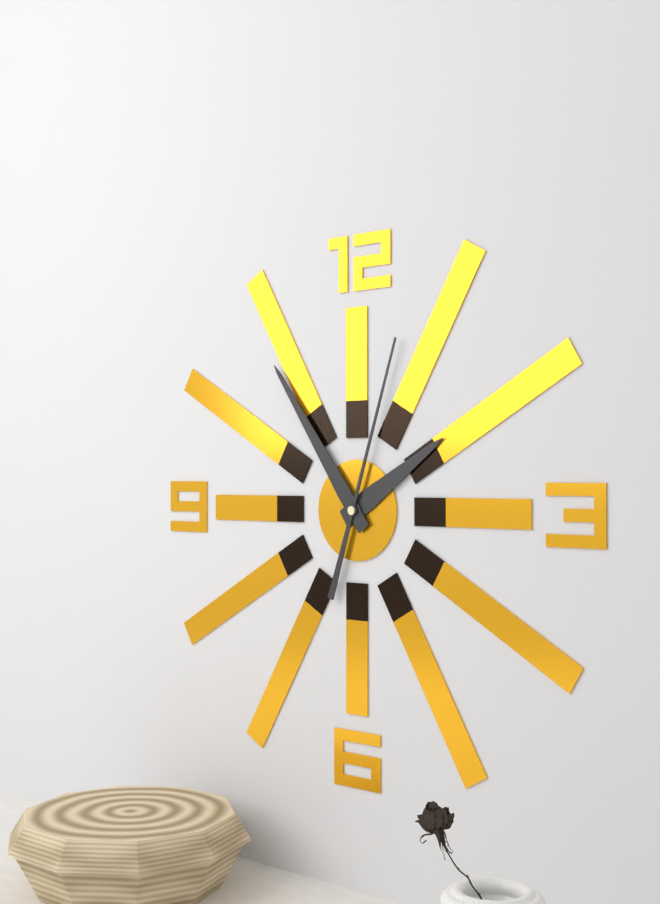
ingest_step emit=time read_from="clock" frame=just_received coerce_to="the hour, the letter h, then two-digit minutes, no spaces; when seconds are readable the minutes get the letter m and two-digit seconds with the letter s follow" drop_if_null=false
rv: 1h54m03s
